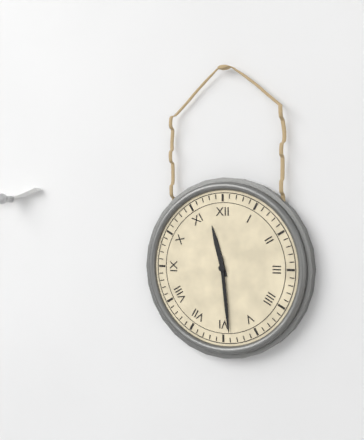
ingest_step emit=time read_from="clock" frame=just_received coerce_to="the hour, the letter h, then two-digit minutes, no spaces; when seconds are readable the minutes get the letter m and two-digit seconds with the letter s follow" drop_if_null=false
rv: 11h29
